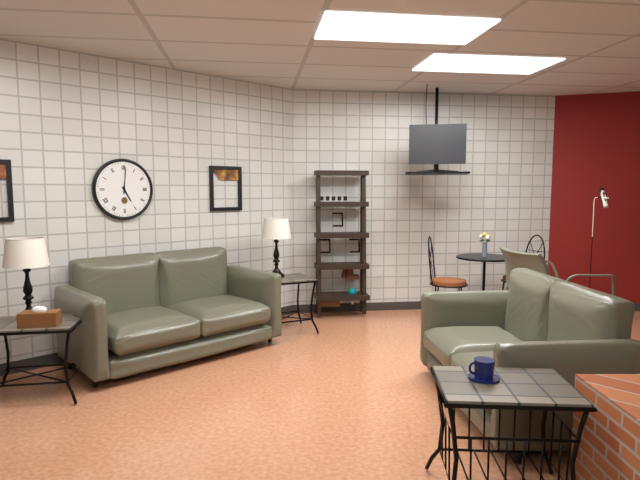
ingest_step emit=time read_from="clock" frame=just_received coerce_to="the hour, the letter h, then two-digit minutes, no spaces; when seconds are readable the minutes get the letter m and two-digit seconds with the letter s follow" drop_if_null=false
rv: 5h01
